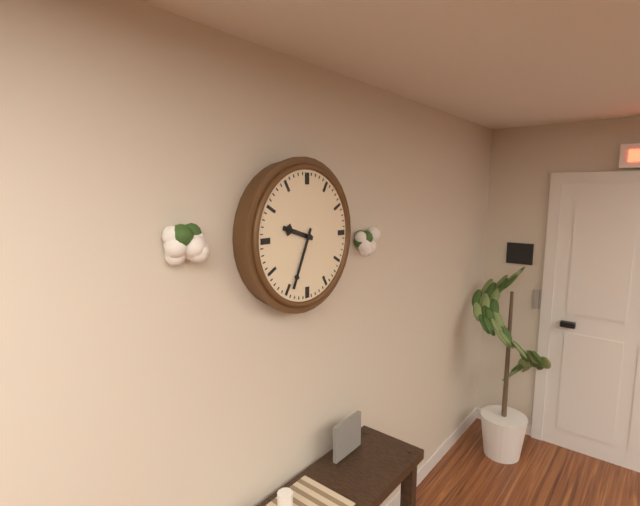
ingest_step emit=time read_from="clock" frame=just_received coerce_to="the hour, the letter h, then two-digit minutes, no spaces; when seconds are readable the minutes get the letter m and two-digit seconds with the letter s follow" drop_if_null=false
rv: 9h34
